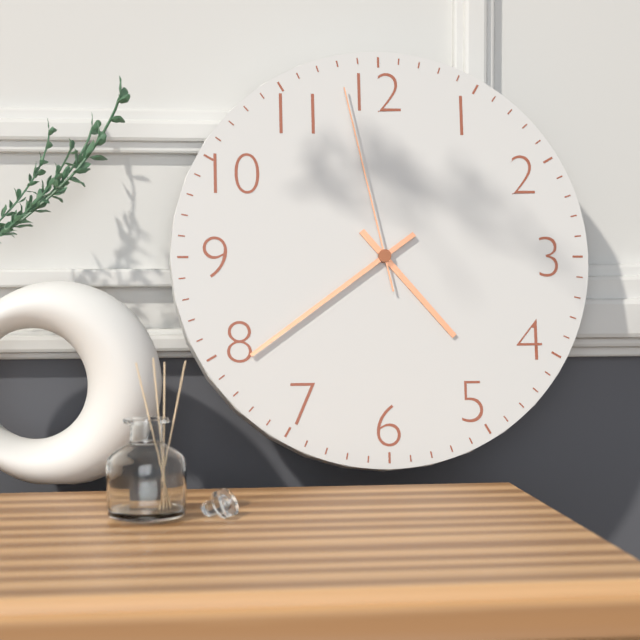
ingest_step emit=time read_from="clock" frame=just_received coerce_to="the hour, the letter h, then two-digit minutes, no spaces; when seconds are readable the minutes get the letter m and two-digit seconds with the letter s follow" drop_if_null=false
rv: 4h39m58s
